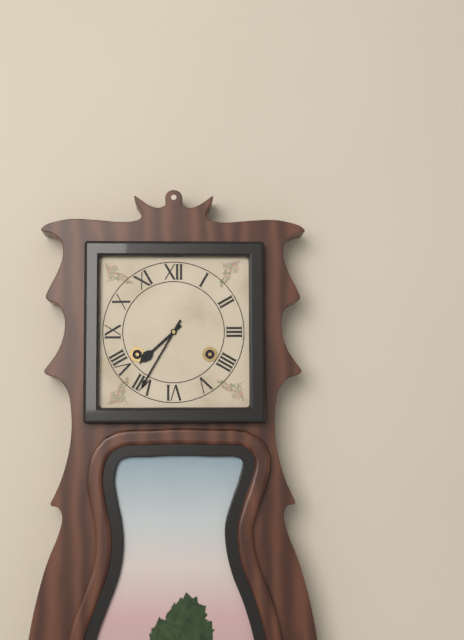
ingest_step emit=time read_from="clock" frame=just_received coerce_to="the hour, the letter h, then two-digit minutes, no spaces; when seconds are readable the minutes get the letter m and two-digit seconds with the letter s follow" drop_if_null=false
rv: 7h35
